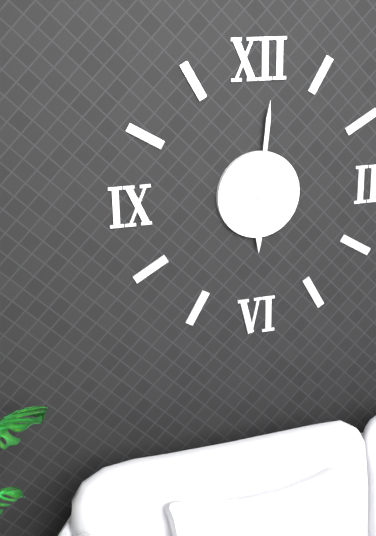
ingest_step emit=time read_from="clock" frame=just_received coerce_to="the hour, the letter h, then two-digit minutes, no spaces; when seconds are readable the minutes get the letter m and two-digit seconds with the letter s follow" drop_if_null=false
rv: 6h01
